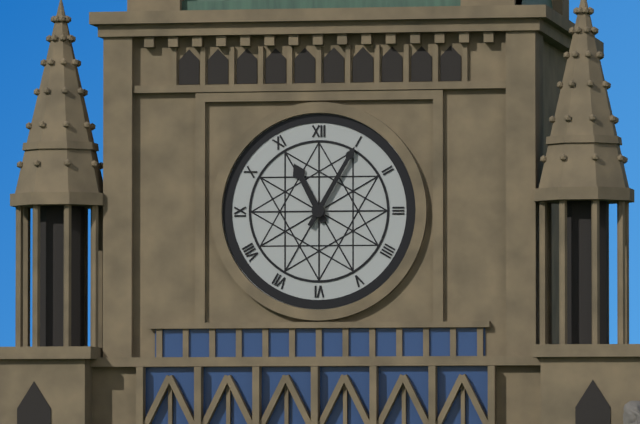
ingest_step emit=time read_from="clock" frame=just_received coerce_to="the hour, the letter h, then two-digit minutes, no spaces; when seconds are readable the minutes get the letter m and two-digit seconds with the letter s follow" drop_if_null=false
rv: 11h05
